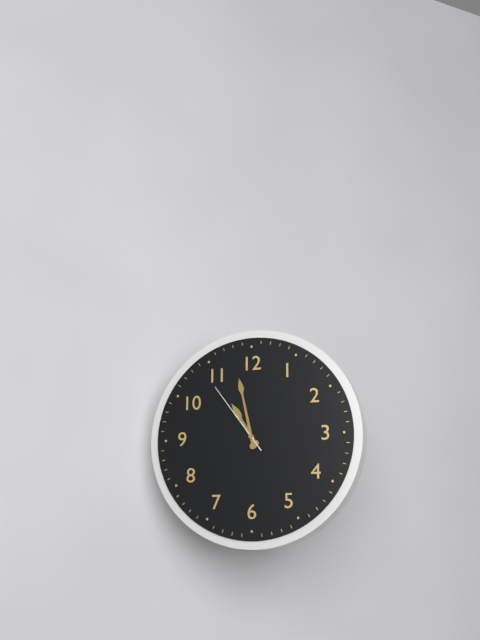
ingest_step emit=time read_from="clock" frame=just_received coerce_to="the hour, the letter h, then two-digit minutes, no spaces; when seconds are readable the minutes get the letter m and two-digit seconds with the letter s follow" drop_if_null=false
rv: 10h58m54s
